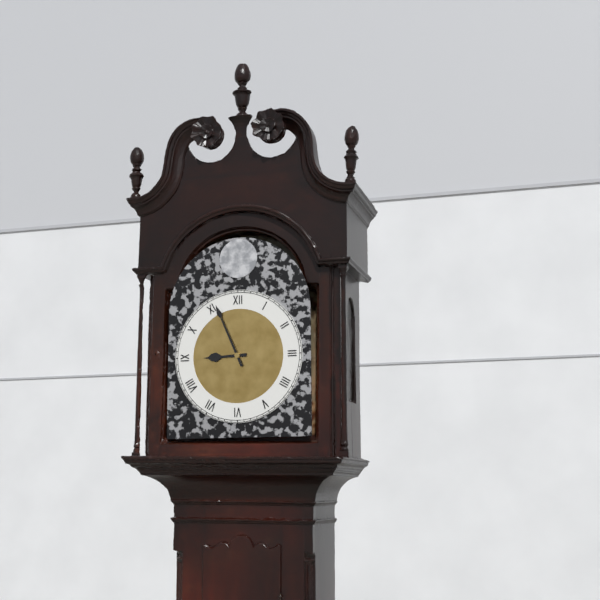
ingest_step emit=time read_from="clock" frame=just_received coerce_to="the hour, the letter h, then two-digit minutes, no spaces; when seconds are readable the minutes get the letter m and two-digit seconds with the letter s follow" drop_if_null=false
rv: 8h56
